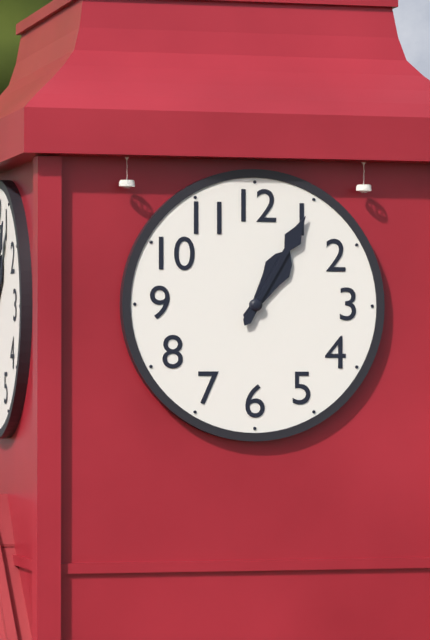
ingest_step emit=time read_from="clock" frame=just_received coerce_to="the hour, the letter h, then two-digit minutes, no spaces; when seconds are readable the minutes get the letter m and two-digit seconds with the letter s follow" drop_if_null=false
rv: 1h05
